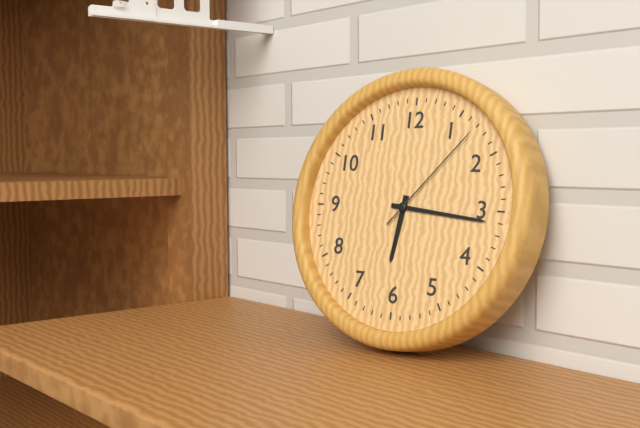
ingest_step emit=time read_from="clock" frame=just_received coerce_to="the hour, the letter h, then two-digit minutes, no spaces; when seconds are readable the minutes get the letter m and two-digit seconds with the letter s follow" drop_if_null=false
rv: 6h16m07s
